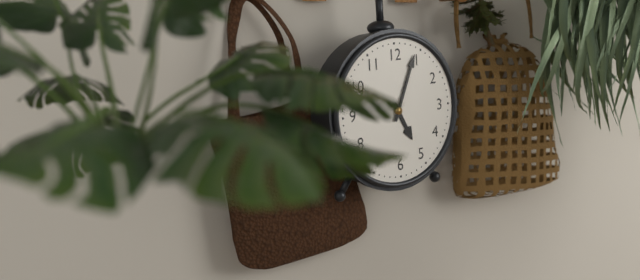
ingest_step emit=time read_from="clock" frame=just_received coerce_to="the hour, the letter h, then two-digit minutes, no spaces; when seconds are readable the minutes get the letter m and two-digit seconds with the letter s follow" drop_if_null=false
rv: 5h04
